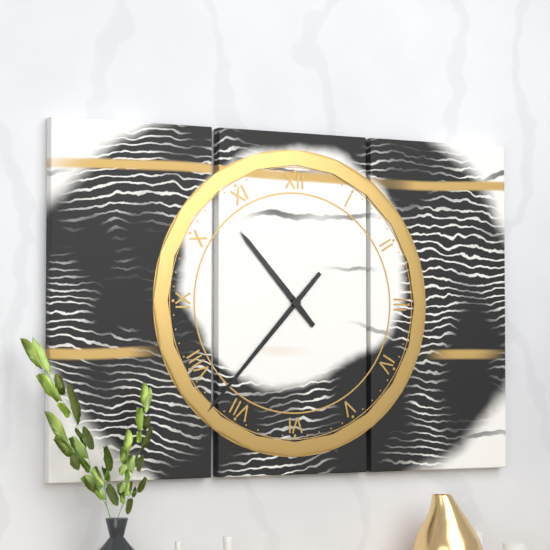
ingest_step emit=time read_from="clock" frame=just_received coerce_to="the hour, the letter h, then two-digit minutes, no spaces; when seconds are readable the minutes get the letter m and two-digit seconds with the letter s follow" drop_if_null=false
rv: 10h37
